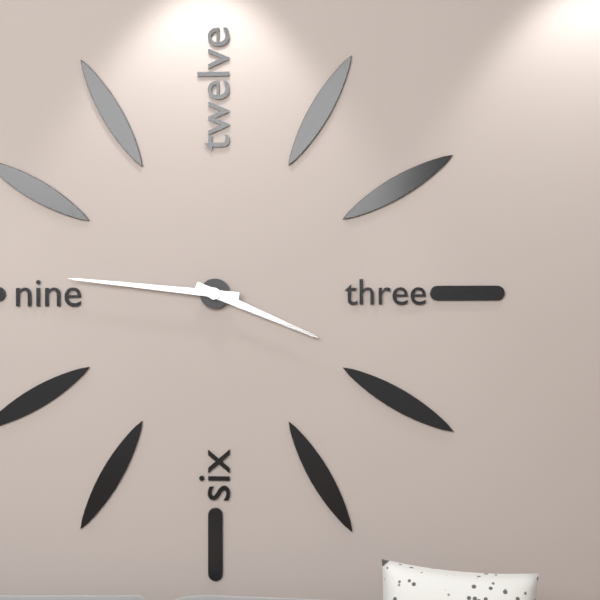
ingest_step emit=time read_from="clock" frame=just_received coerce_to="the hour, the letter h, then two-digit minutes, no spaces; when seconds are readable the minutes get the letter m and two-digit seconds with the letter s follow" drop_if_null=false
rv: 3h46
